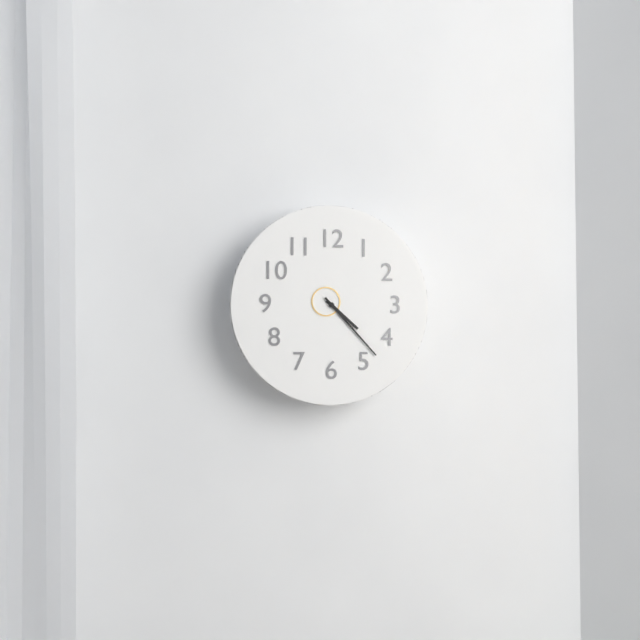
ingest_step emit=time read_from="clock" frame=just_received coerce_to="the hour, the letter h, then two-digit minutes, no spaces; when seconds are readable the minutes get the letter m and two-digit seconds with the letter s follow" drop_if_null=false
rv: 4h23
